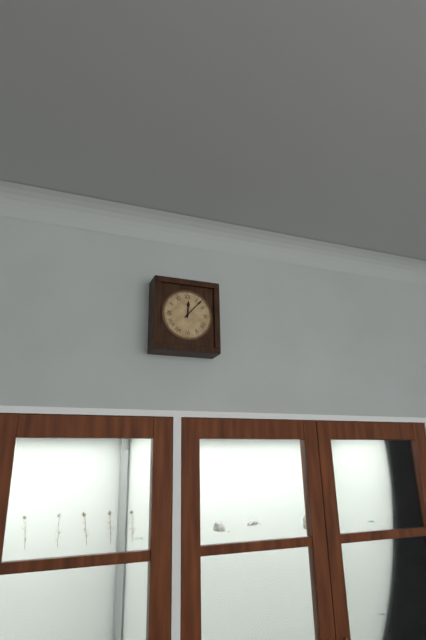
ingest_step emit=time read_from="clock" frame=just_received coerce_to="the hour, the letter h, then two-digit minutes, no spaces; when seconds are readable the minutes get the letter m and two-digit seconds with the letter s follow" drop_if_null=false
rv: 12h07
